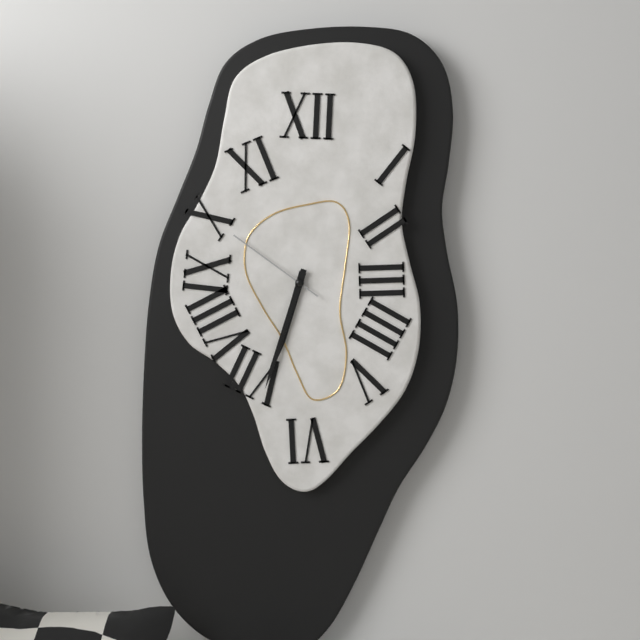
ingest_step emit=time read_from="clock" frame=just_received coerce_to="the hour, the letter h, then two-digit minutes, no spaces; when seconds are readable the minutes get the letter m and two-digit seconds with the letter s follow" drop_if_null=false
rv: 6h33m51s
